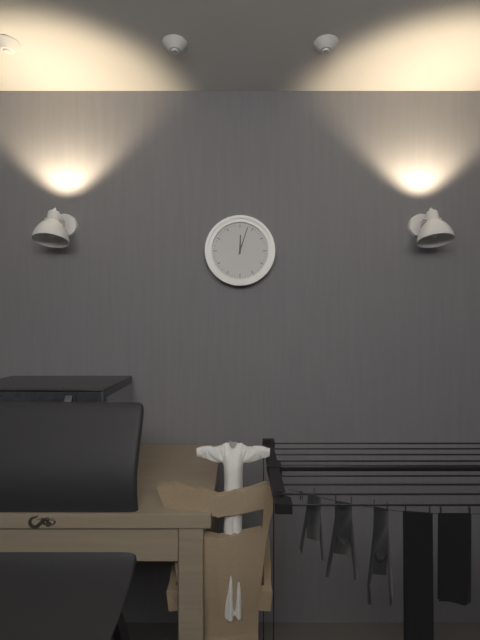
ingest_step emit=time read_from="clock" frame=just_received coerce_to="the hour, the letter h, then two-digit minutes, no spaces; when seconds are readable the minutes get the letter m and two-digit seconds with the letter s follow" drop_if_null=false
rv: 12h03
